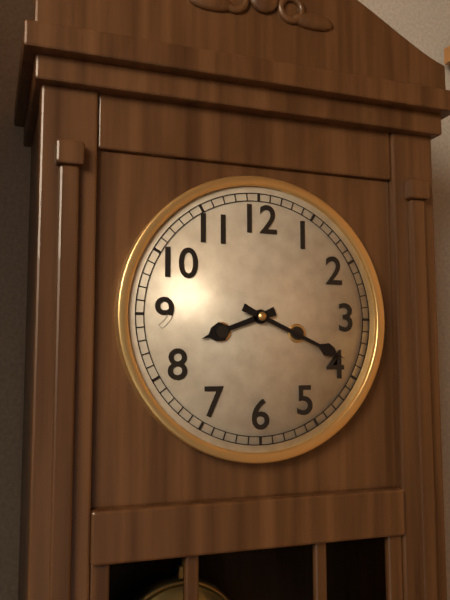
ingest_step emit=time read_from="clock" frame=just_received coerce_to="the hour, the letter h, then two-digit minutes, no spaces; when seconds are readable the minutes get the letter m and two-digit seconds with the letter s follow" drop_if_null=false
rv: 8h19
